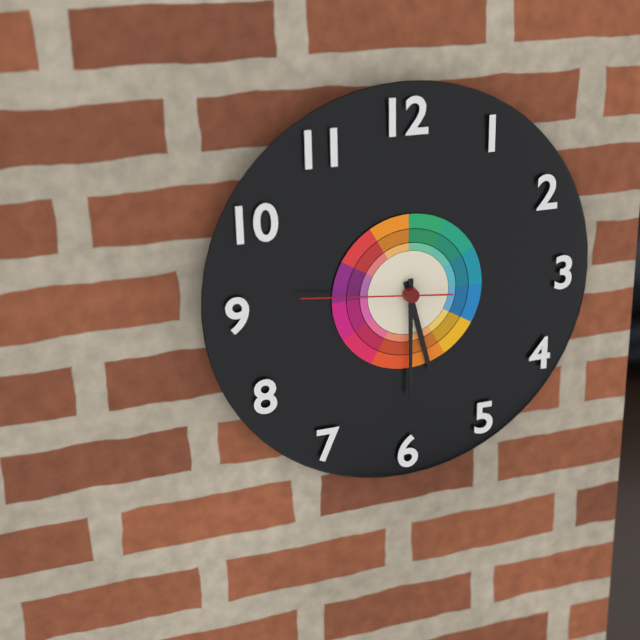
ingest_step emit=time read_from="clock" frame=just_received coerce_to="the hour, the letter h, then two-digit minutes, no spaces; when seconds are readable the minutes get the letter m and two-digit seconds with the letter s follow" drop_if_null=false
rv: 5h30m46s
